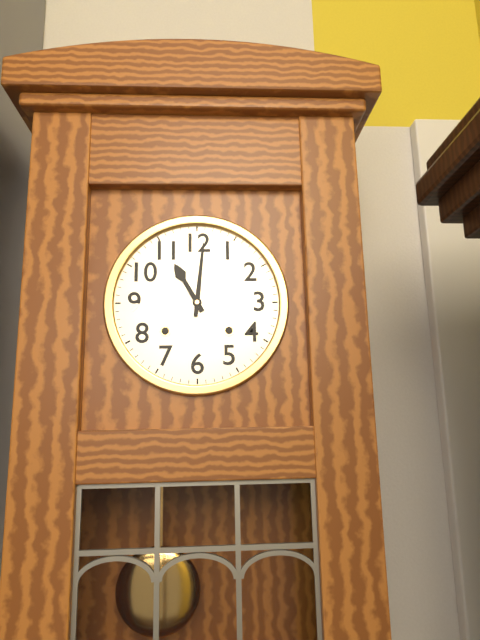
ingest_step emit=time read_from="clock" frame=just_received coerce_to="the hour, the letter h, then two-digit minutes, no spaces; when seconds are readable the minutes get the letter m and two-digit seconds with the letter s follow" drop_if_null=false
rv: 11h01
